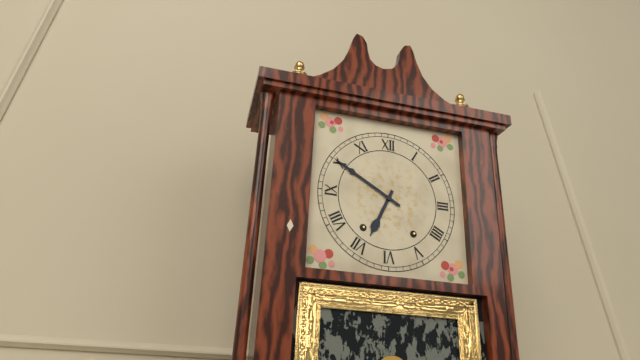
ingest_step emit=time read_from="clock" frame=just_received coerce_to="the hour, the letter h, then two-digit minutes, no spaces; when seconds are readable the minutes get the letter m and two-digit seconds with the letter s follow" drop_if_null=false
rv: 6h50
